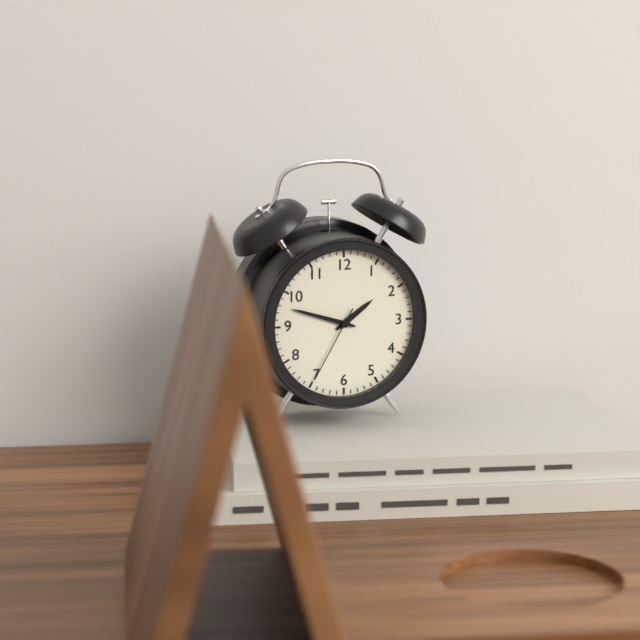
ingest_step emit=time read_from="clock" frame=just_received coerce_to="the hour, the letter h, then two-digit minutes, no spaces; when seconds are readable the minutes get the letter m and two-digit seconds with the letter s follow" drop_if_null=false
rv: 1h48m35s
